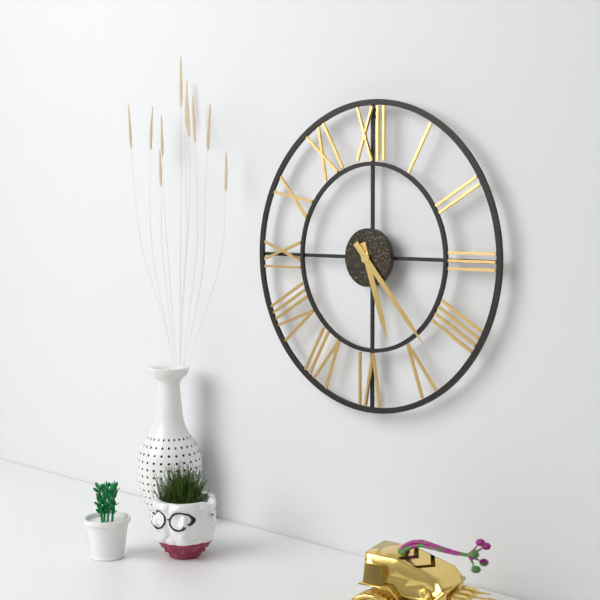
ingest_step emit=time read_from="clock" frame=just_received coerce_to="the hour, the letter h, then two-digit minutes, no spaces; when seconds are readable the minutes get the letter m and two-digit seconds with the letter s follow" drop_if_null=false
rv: 5h23
